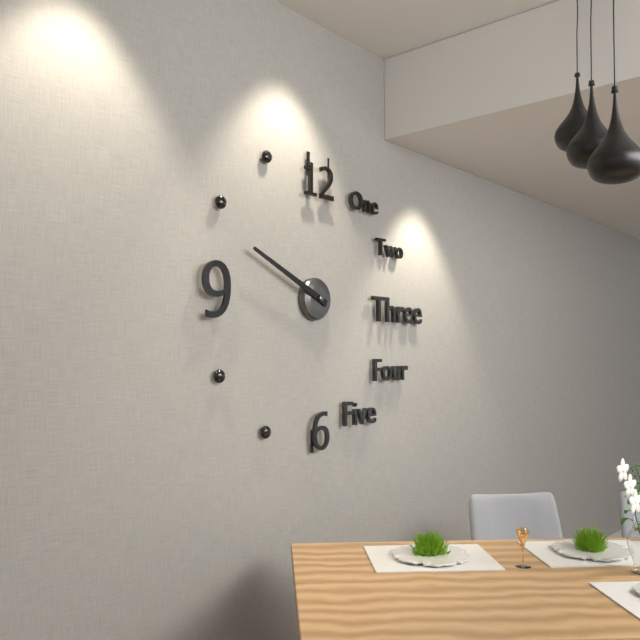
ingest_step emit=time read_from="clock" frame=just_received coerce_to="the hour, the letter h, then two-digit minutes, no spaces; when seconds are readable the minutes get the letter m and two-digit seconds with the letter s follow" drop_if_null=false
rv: 9h49
